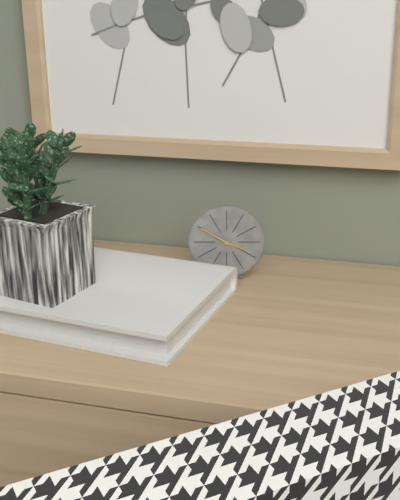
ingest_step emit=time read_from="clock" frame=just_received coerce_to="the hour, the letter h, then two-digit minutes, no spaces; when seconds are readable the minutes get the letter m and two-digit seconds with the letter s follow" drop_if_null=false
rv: 3h50
